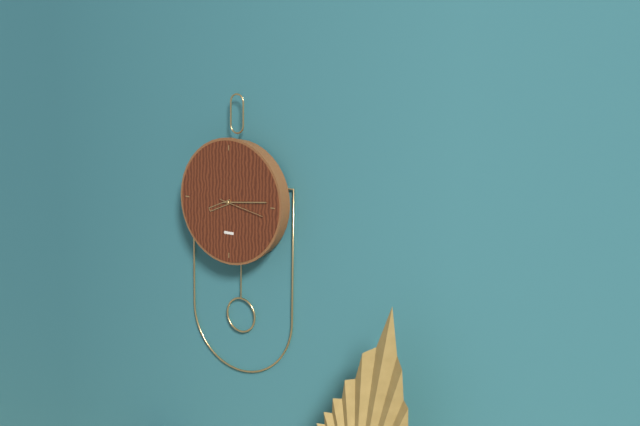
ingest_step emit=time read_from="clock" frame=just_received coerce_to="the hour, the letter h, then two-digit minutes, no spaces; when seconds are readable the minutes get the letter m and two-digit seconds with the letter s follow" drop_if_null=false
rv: 8h14
